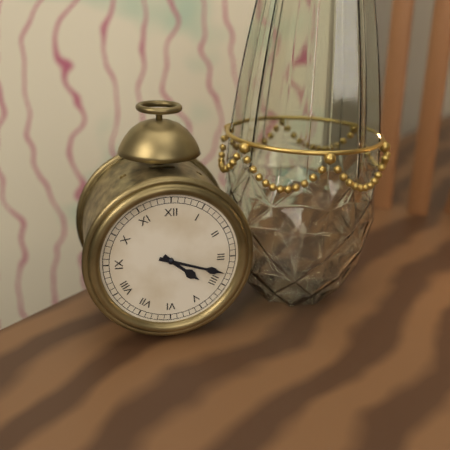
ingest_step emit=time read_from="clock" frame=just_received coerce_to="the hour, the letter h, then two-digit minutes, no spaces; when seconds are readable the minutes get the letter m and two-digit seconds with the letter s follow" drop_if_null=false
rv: 4h18
